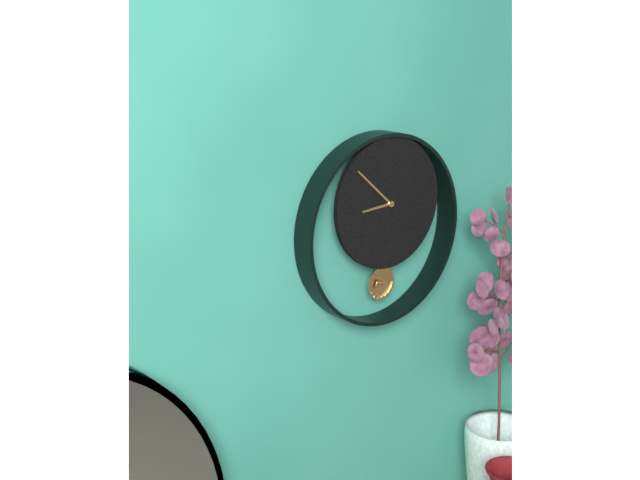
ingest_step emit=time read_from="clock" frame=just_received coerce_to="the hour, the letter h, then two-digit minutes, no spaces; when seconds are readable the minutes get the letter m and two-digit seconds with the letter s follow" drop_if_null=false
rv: 8h52
